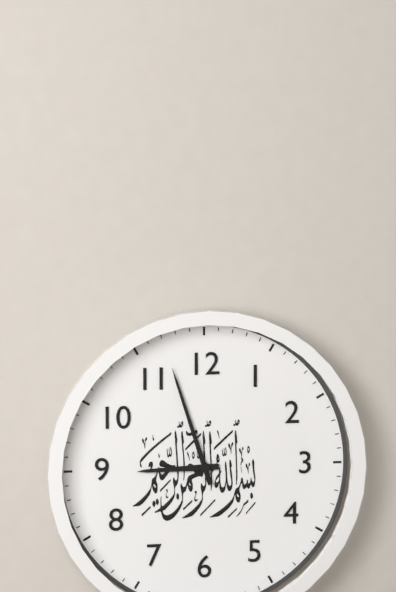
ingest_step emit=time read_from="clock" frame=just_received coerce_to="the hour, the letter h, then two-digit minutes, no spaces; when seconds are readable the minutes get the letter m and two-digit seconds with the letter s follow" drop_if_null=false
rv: 8h57
